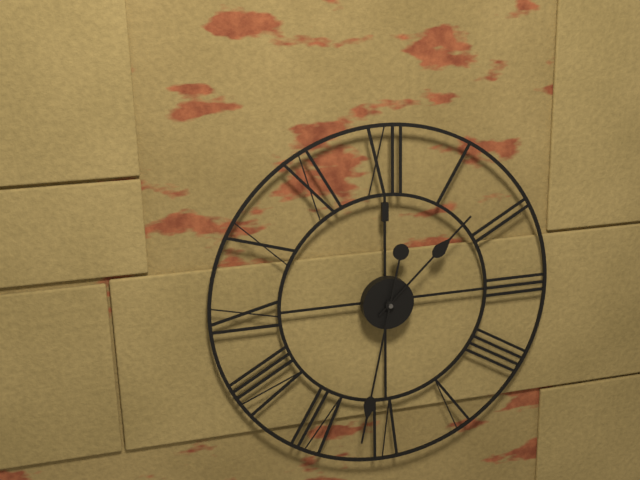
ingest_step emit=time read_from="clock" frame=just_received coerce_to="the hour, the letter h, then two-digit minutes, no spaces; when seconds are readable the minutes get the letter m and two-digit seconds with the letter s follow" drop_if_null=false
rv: 1h32
